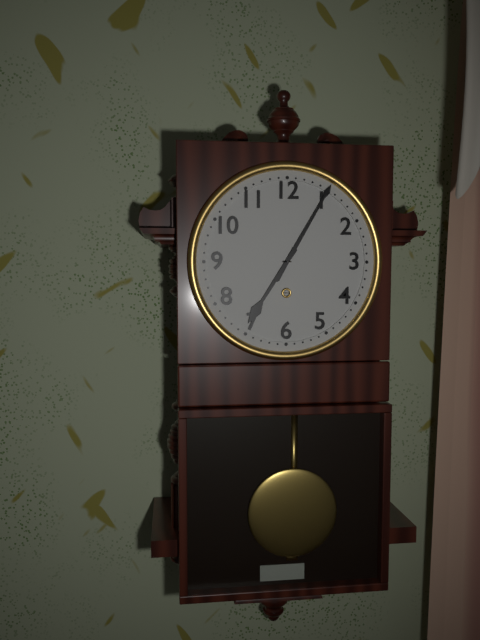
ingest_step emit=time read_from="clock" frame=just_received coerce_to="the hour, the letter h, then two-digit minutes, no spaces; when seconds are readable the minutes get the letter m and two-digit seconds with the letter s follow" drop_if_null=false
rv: 7h05
